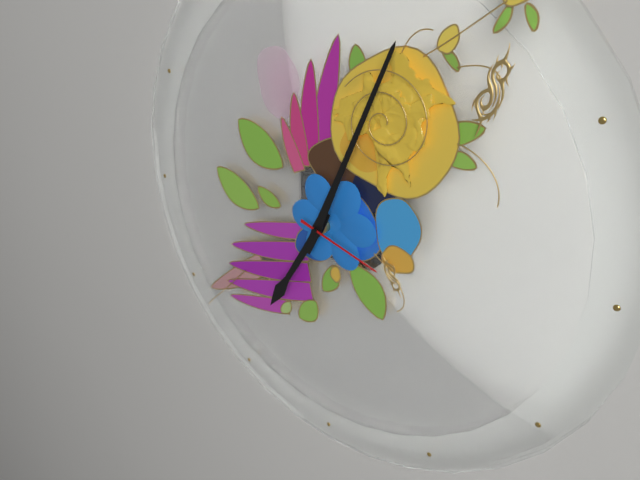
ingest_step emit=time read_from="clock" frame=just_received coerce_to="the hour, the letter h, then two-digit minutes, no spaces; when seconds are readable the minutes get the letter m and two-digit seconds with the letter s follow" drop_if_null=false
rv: 7h04m18s
